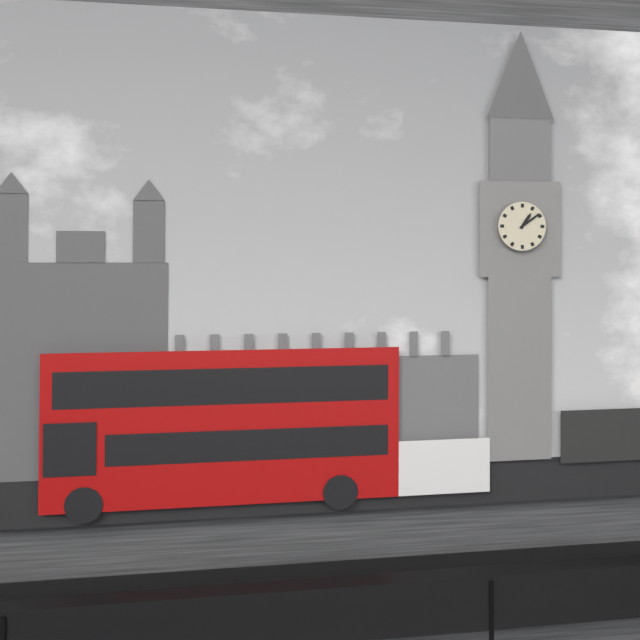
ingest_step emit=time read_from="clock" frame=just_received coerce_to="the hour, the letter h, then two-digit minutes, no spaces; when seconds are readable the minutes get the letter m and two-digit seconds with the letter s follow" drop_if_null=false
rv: 1h09
